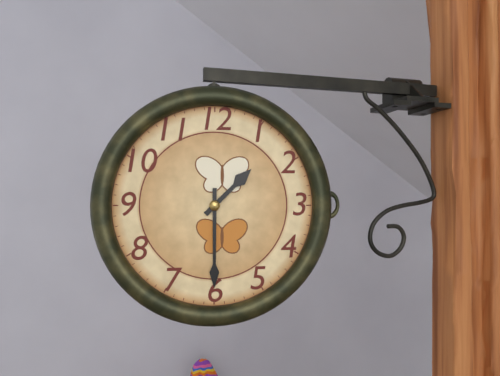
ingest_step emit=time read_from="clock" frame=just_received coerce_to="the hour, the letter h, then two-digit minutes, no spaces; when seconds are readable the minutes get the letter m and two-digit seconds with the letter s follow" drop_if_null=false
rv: 1h30
